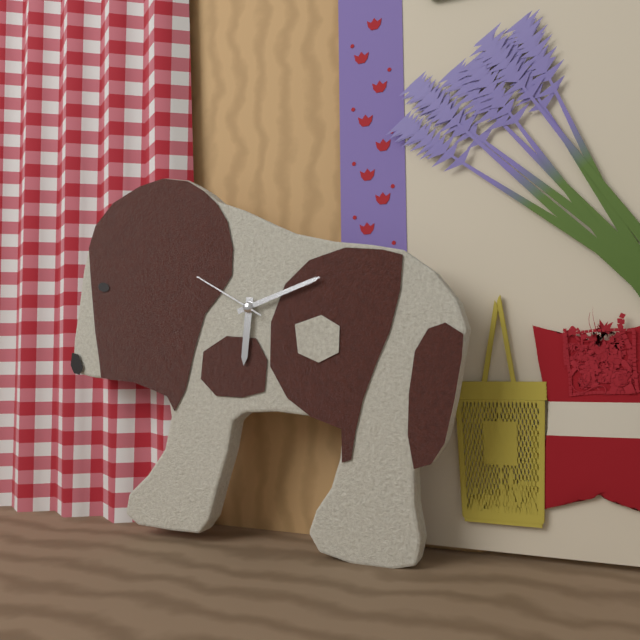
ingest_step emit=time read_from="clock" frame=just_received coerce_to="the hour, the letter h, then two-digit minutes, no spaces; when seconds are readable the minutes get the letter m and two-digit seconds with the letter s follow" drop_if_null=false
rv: 6h12m50s
